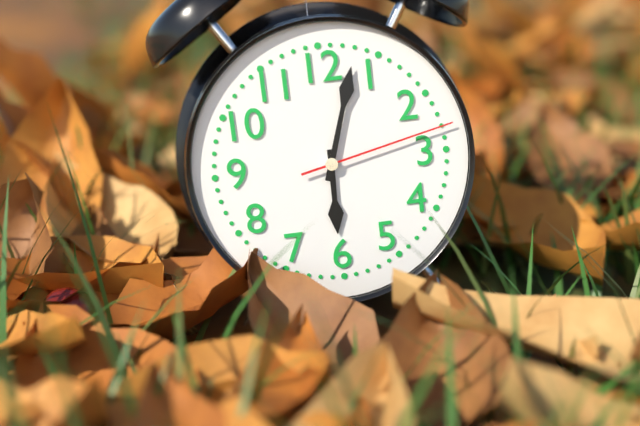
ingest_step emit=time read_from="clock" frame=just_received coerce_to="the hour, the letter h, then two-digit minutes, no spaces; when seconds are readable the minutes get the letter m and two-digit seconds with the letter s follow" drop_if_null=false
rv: 6h03m13s
